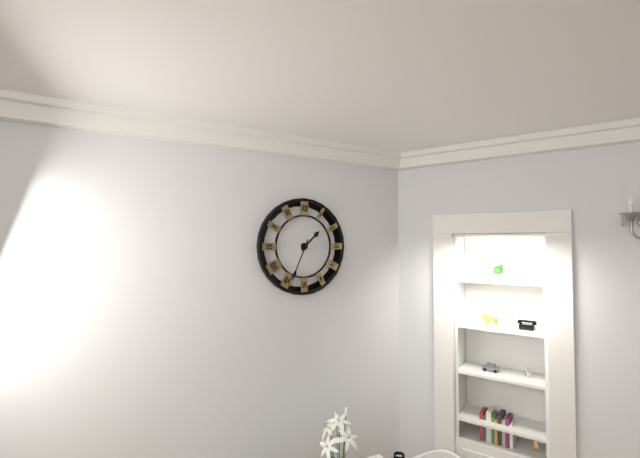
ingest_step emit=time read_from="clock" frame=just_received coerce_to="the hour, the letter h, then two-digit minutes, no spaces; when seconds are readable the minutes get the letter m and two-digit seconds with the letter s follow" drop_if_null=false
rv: 1h34
